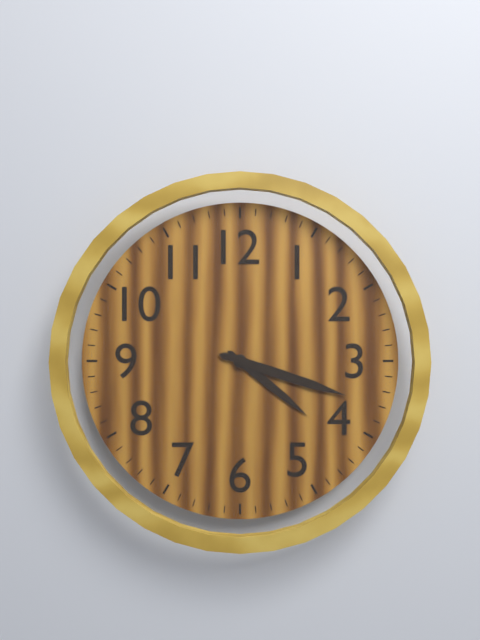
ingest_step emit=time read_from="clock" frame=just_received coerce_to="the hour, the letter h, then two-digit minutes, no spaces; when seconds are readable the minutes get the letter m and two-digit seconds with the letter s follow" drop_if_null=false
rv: 4h18
